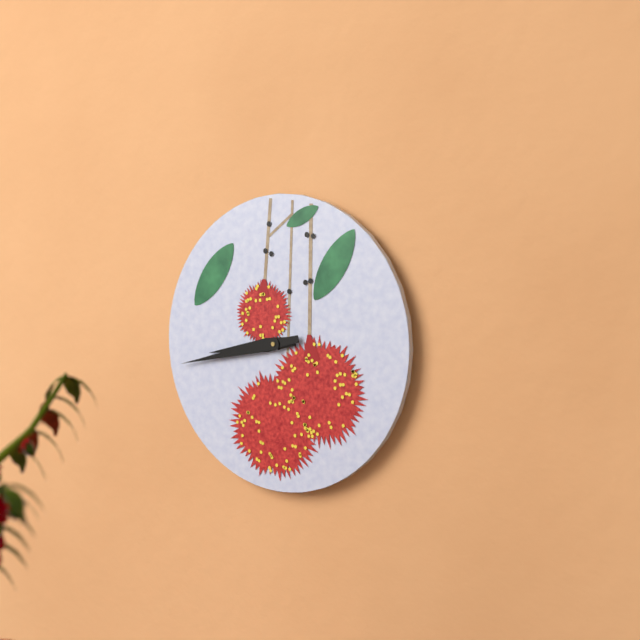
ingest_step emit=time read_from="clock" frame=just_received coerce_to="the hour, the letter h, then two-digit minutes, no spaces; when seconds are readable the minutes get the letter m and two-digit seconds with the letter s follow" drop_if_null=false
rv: 8h43
